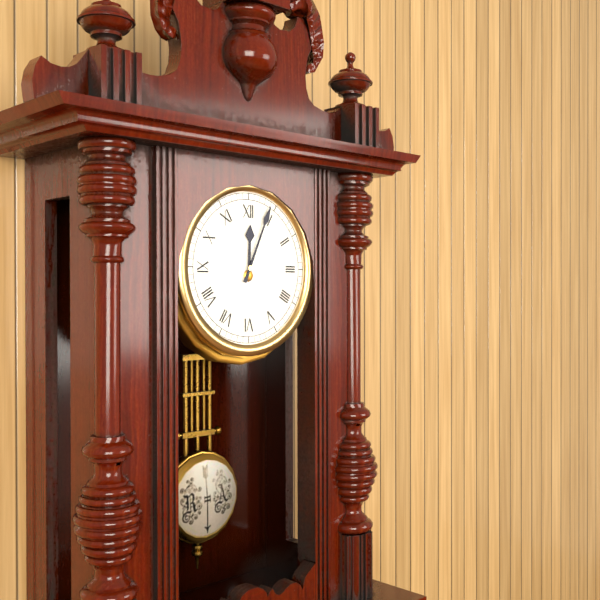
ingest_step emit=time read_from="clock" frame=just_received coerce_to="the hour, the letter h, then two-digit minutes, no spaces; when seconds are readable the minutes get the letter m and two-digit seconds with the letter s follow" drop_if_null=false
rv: 12h04
